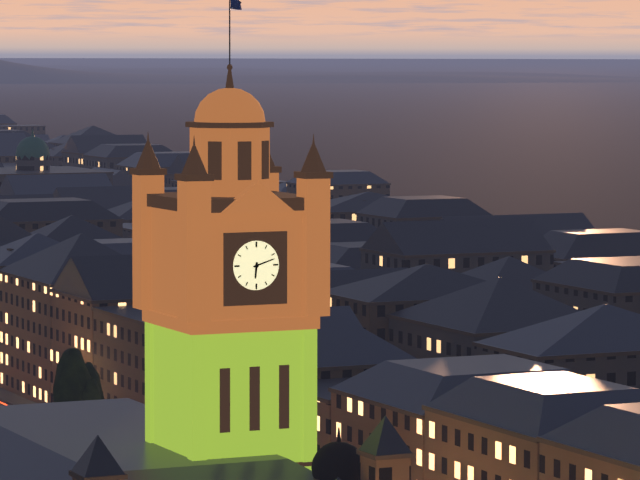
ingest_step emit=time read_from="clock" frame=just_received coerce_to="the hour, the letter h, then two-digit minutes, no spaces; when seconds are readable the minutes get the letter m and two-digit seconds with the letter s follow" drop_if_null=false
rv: 6h12
